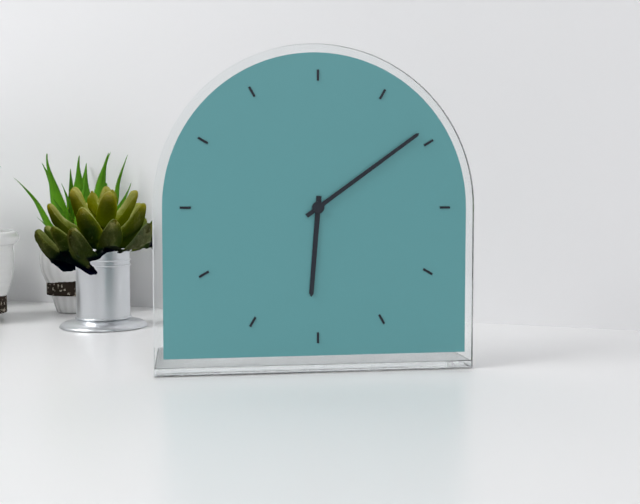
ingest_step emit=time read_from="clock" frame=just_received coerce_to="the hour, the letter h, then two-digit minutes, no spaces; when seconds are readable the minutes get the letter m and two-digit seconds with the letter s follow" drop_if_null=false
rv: 6h09
